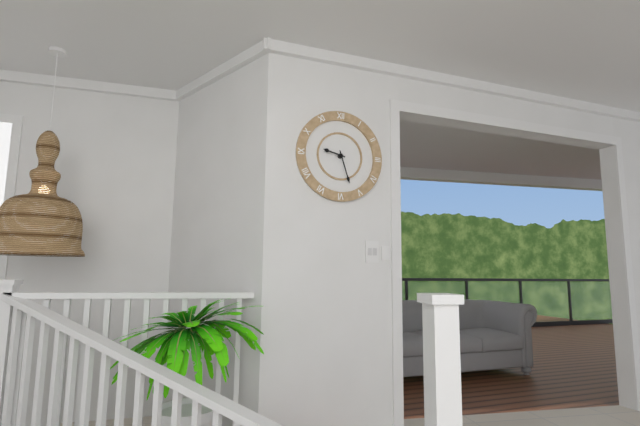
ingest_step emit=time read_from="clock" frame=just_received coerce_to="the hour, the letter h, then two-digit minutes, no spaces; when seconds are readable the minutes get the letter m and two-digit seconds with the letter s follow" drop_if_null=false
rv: 9h27
